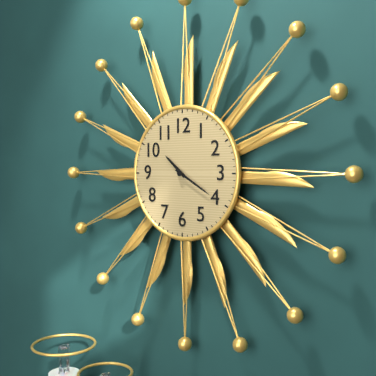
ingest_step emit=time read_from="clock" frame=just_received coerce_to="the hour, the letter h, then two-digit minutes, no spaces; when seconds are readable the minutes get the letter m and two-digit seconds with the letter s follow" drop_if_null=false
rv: 10h20
